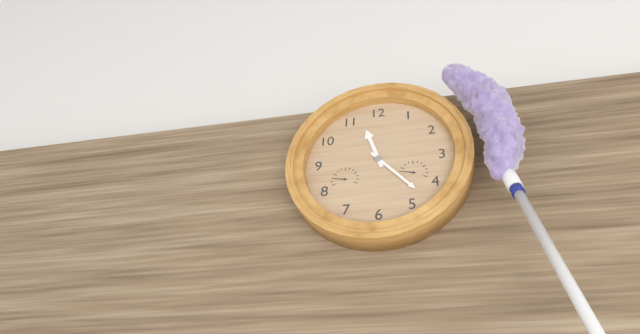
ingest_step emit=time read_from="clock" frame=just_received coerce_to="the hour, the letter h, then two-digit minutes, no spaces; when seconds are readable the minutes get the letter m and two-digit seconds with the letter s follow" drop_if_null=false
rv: 11h23
